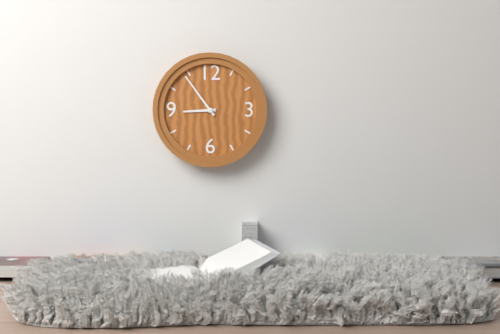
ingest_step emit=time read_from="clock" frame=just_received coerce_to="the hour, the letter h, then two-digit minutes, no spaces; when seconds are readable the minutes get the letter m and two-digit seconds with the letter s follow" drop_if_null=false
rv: 8h54
